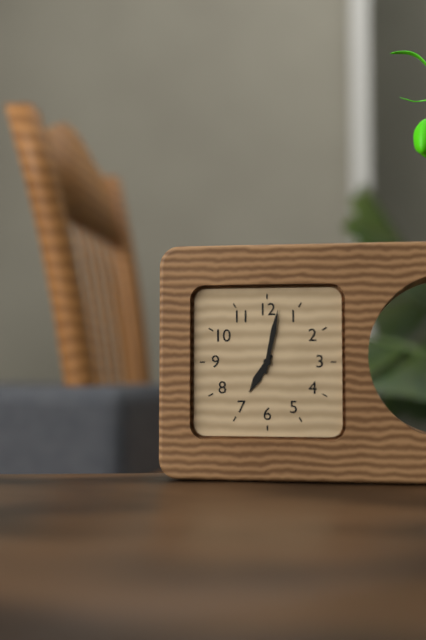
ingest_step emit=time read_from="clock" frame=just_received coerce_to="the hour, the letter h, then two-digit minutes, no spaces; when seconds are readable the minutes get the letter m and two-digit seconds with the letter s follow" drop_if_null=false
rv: 7h02
